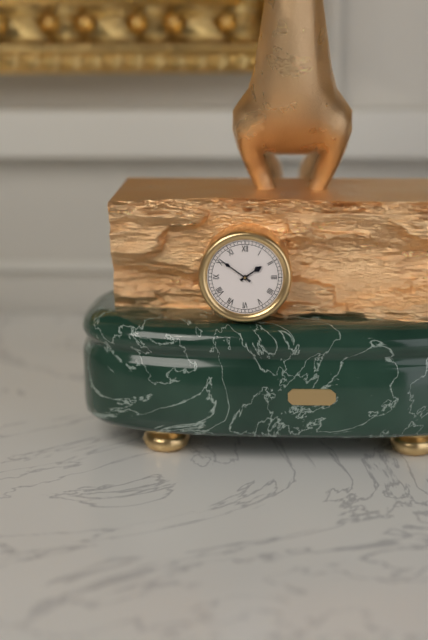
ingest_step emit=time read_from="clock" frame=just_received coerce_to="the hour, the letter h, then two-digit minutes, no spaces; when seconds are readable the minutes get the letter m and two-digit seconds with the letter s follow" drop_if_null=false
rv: 1h51
